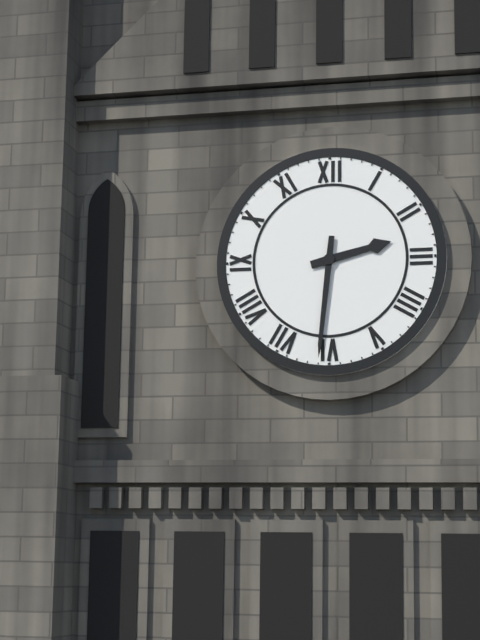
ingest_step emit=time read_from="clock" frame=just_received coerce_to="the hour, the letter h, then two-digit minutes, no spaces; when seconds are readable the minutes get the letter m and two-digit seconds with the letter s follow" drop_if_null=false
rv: 2h31
